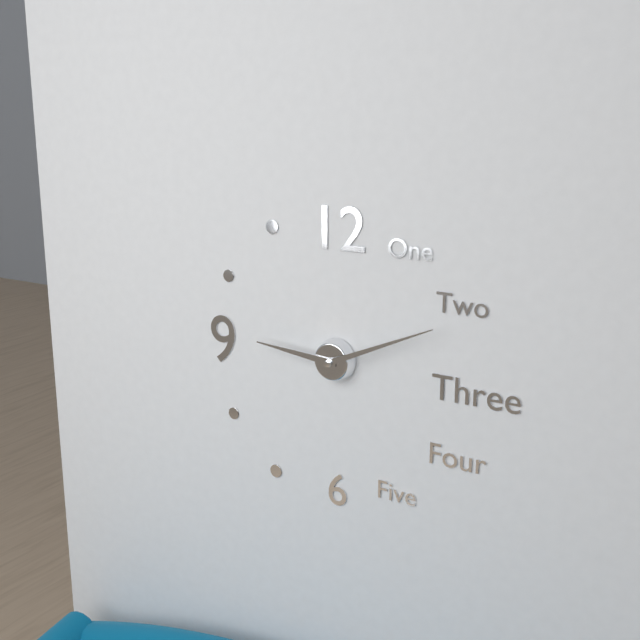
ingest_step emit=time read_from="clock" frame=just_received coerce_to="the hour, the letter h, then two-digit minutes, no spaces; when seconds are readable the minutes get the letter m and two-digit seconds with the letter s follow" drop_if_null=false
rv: 9h11
